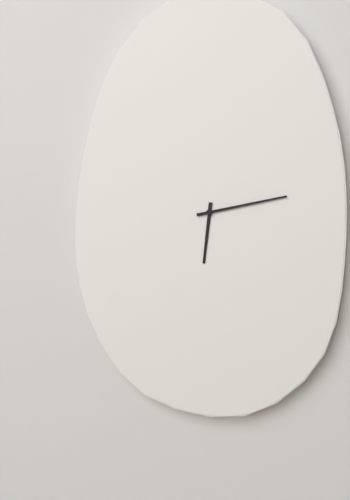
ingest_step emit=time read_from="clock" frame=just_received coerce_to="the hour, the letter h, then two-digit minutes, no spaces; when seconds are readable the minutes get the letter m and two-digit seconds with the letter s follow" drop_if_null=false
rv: 6h13
